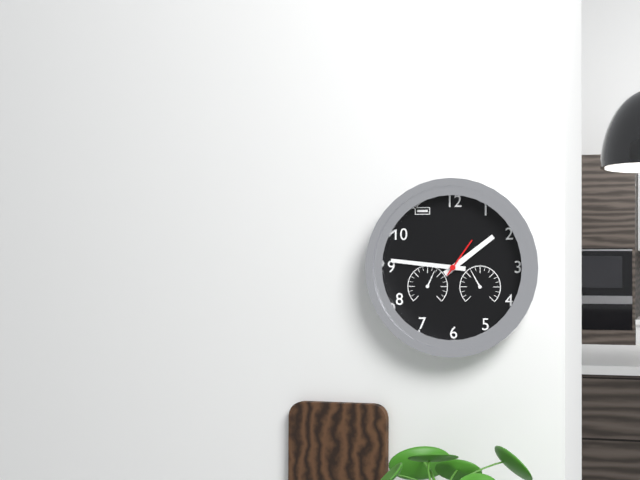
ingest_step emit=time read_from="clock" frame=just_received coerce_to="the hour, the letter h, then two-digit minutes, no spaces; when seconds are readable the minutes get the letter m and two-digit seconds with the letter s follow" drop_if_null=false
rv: 1h46
